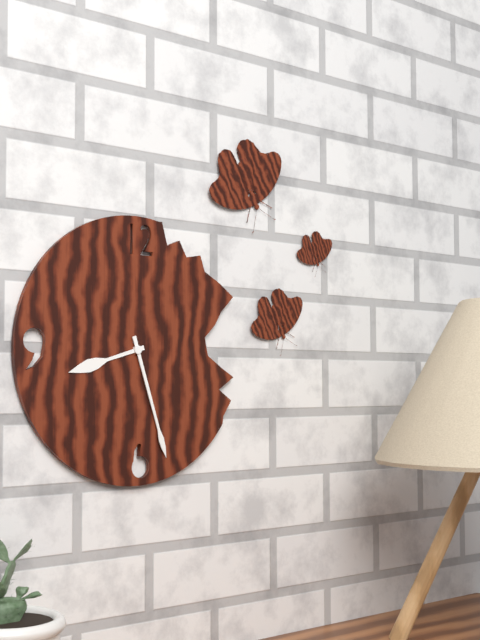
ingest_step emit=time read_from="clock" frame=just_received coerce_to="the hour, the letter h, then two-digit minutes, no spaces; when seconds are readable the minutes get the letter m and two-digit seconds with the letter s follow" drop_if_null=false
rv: 8h27
